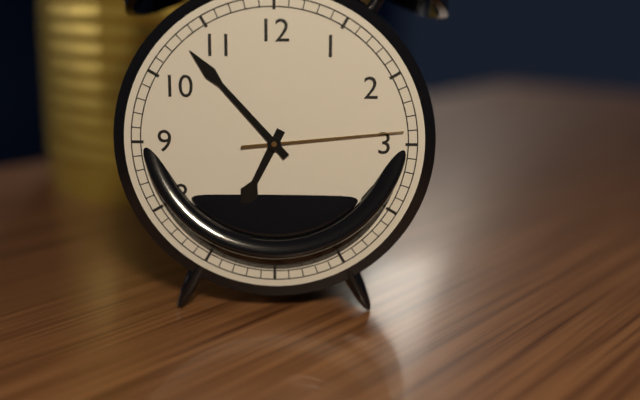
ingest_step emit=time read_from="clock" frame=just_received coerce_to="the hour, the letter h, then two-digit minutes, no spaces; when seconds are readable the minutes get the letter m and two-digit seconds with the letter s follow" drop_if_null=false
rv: 6h53m14s
